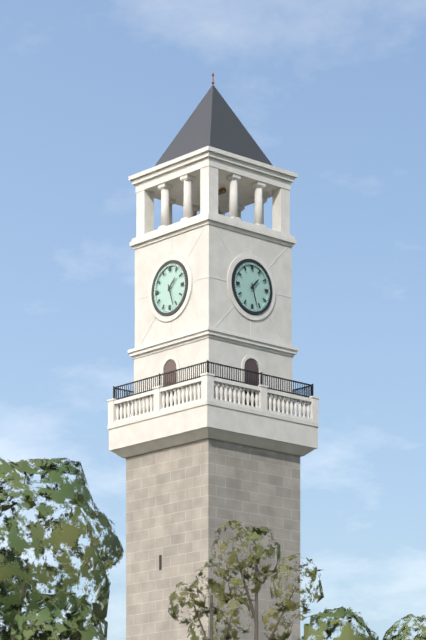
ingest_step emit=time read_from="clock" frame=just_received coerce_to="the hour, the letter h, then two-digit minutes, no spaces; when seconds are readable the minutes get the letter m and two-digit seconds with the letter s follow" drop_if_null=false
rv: 1h27
